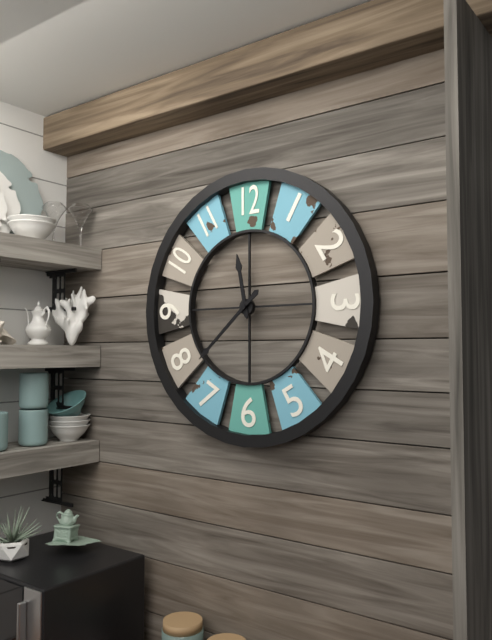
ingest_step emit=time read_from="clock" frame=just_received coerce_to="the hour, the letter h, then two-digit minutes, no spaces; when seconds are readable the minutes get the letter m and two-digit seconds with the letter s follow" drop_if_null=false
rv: 11h38
